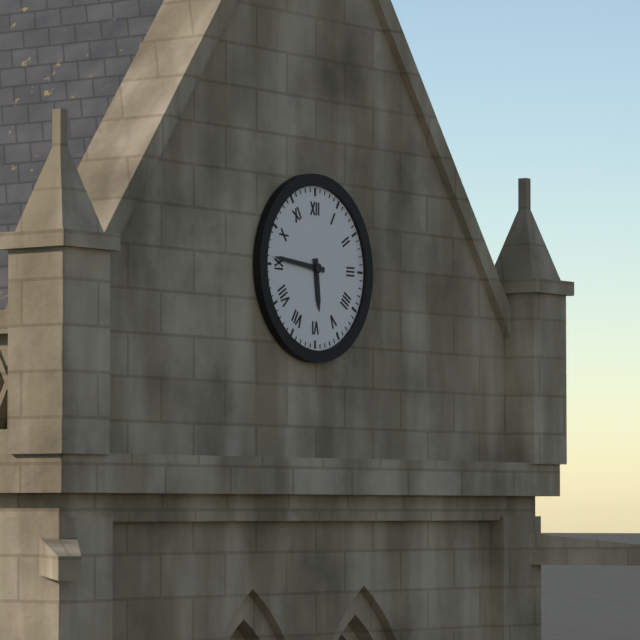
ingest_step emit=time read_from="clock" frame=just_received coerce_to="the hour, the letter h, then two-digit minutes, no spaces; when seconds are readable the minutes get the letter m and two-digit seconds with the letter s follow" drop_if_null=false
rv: 5h46
